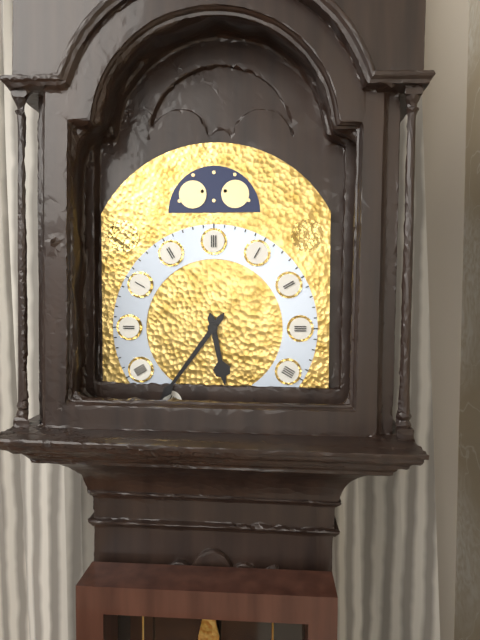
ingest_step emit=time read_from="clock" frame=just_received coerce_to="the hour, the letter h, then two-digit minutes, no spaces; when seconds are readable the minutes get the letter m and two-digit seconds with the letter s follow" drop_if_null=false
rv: 5h36
